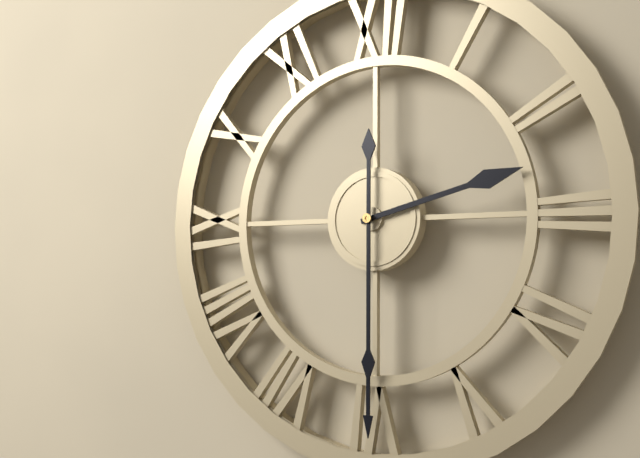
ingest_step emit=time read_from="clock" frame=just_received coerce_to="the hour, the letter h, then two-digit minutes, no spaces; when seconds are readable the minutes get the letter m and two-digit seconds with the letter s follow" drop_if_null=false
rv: 2h30
